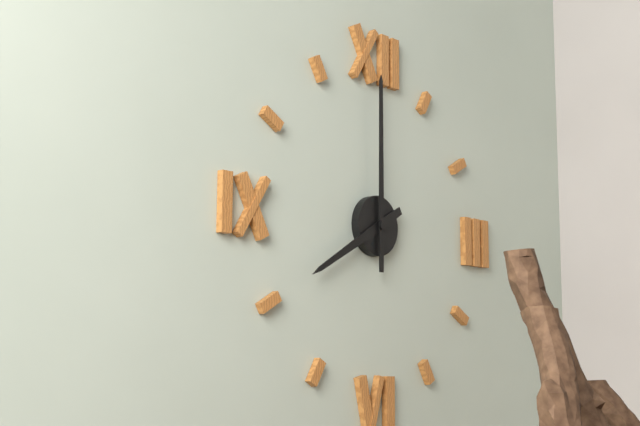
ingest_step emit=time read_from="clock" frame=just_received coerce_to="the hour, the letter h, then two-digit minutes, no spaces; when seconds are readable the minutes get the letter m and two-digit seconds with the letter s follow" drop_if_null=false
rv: 8h00
